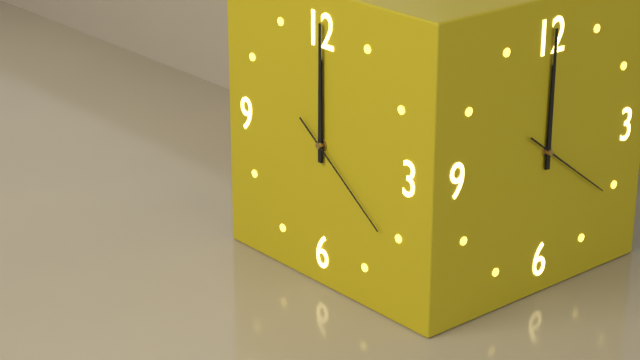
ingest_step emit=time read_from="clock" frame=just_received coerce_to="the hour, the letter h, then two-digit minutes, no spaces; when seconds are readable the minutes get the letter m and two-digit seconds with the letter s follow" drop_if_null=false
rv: 12h00m21s
